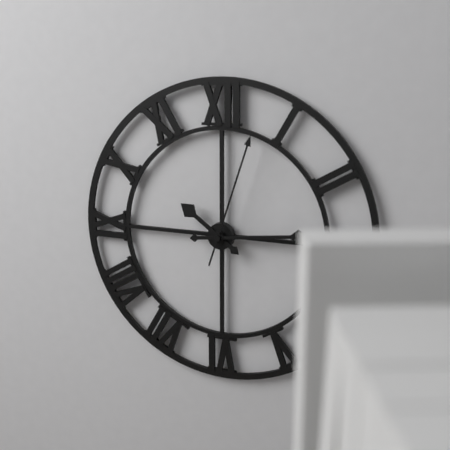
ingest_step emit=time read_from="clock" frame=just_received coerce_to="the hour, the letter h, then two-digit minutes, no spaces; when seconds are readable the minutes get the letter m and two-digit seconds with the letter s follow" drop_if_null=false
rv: 10h14m03s
